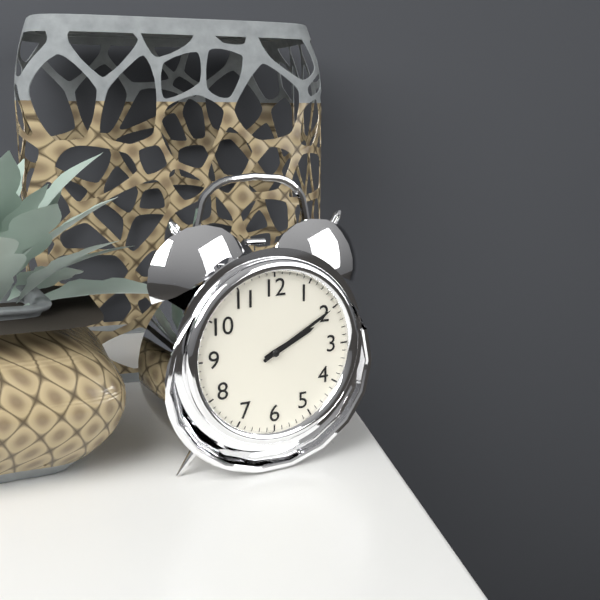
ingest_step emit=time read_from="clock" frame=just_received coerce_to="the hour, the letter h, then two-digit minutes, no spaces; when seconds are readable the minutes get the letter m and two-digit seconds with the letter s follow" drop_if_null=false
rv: 2h10
